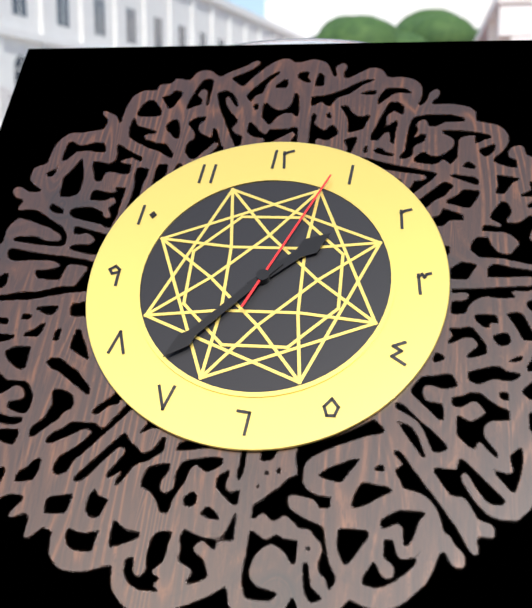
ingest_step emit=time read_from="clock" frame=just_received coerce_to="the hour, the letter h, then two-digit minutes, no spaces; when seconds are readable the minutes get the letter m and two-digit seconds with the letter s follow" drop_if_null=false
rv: 1h37m04s
